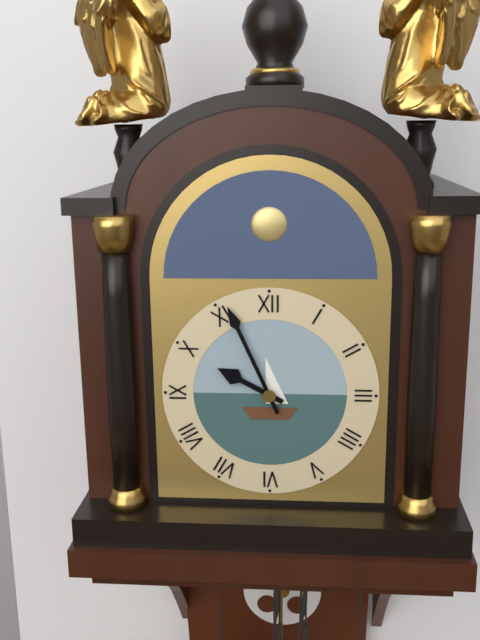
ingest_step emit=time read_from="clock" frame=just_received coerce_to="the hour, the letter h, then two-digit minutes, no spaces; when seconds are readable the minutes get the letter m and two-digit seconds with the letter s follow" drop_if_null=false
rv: 9h56
